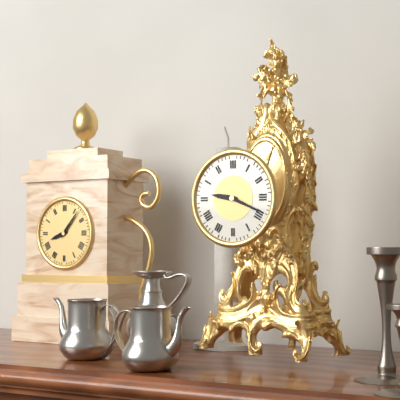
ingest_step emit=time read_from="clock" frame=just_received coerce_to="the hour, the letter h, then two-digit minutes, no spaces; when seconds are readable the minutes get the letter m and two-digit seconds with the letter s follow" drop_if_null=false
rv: 9h19
